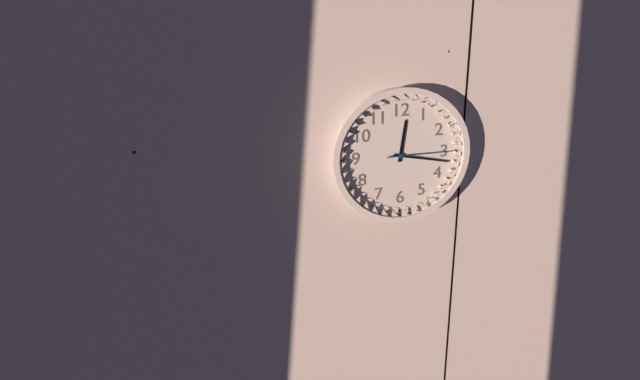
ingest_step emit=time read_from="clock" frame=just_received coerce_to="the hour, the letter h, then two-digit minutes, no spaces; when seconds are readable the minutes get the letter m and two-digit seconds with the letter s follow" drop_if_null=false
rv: 12h17m15s
